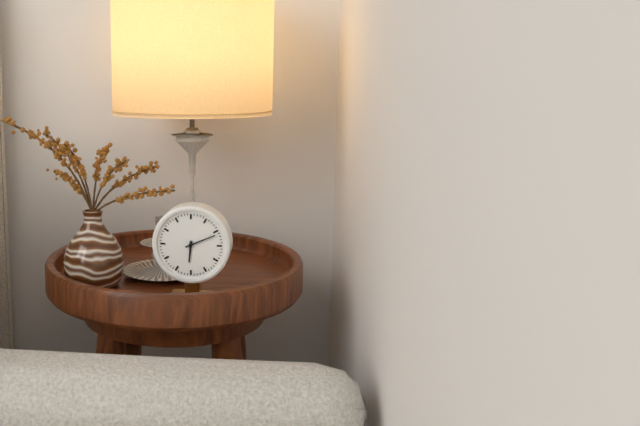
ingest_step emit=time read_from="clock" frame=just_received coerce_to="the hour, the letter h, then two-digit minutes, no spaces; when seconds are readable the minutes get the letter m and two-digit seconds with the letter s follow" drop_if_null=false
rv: 6h11
